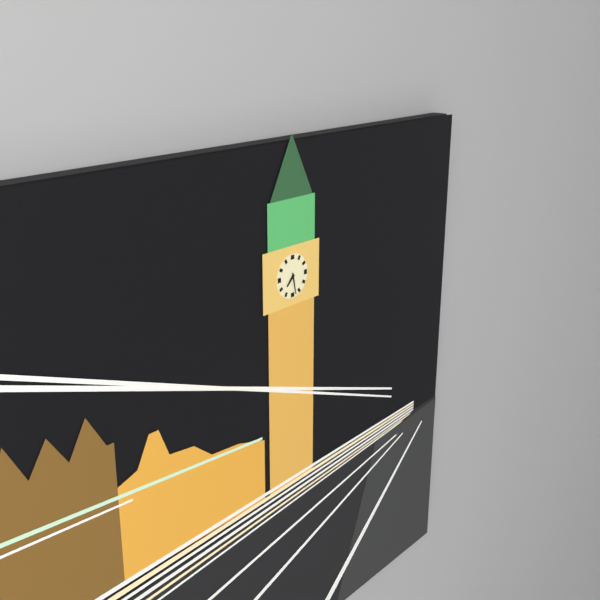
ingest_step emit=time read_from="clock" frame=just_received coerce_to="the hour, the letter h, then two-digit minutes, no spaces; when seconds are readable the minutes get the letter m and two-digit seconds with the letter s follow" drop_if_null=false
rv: 7h28
